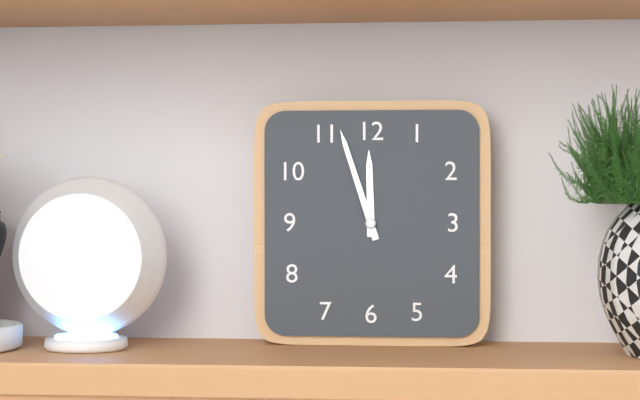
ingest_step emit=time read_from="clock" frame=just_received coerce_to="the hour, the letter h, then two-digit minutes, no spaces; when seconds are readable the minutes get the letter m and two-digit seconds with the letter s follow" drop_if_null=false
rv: 11h57
